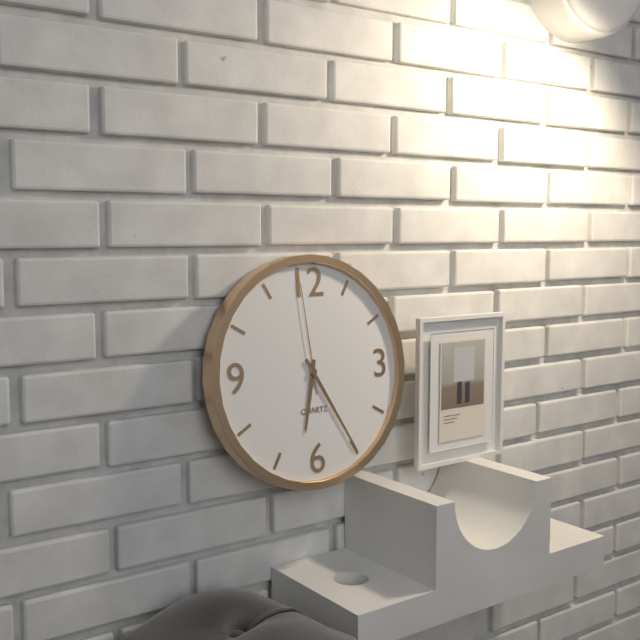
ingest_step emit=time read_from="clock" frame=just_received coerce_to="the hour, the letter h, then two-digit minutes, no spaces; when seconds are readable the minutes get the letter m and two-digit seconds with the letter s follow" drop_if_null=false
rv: 6h25m59s
